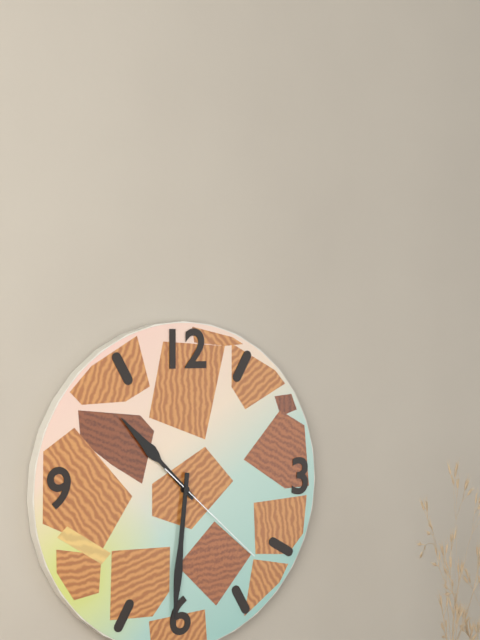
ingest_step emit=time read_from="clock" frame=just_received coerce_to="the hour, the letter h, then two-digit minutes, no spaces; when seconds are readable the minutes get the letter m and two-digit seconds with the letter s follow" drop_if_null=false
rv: 10h31m22s
